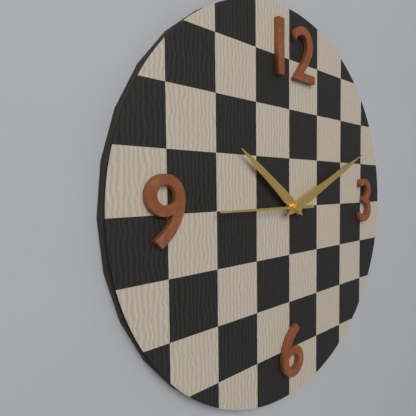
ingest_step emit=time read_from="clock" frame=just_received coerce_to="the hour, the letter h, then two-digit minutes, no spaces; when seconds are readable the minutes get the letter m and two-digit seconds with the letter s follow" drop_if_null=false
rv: 10h11m45s
